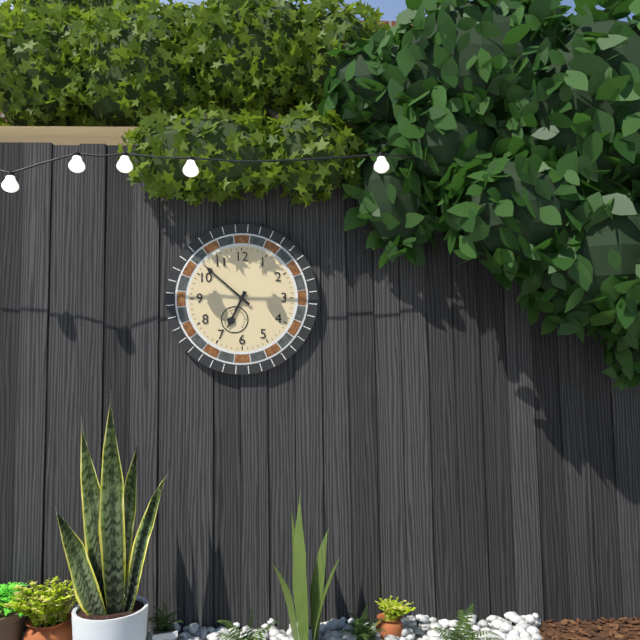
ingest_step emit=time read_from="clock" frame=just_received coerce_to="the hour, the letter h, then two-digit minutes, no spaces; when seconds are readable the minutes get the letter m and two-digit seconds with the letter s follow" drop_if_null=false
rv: 6h52
